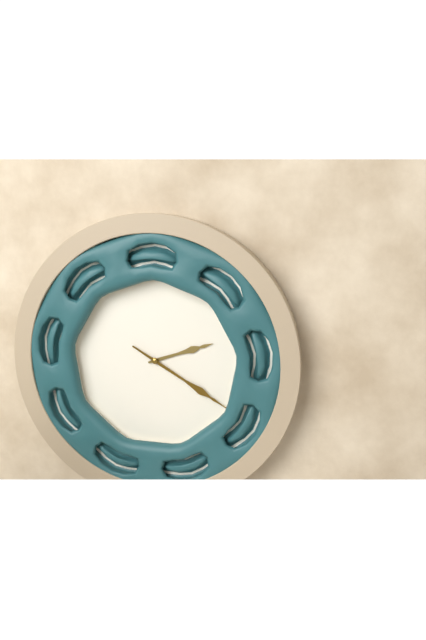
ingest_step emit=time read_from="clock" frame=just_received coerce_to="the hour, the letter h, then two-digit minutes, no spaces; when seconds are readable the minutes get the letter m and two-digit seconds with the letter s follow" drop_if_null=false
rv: 2h20
